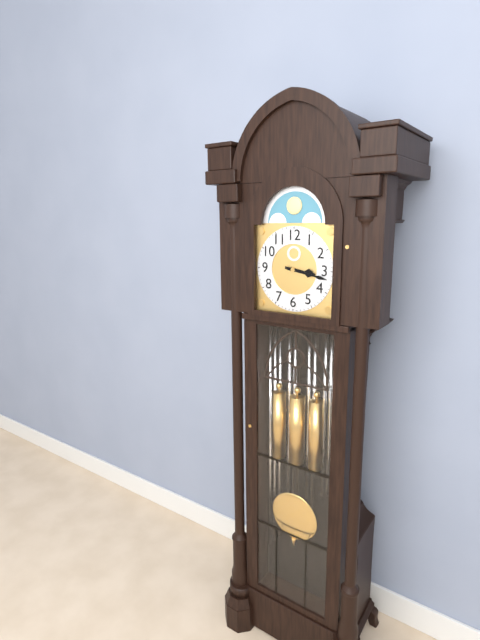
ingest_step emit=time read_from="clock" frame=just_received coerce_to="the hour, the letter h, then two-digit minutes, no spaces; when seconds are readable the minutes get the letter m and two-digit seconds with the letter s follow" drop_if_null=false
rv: 3h17
